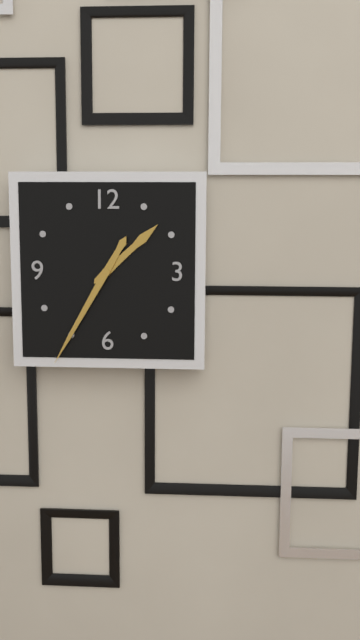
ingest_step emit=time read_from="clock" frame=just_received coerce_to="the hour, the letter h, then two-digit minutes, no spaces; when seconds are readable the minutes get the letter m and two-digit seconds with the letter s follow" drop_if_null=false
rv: 1h35
